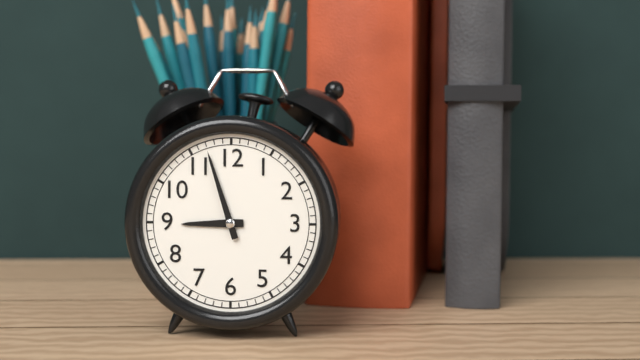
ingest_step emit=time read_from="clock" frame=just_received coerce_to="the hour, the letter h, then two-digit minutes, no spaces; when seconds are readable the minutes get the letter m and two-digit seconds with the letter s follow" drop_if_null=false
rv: 8h57
